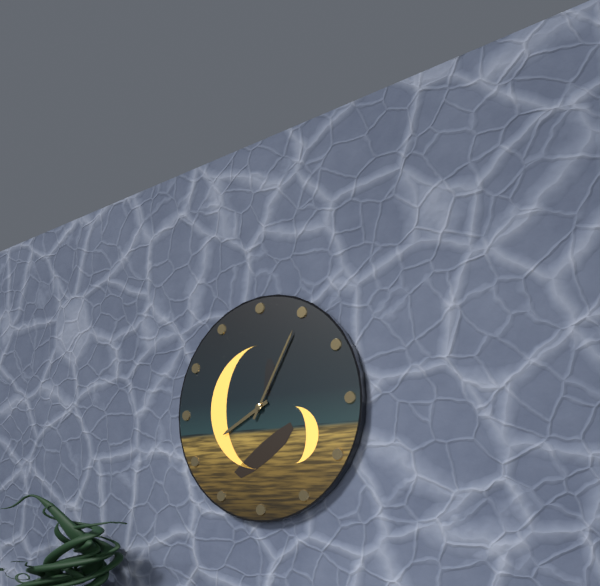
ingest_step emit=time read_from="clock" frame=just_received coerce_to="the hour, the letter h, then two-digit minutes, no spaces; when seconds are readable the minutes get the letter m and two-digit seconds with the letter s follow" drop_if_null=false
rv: 8h05
